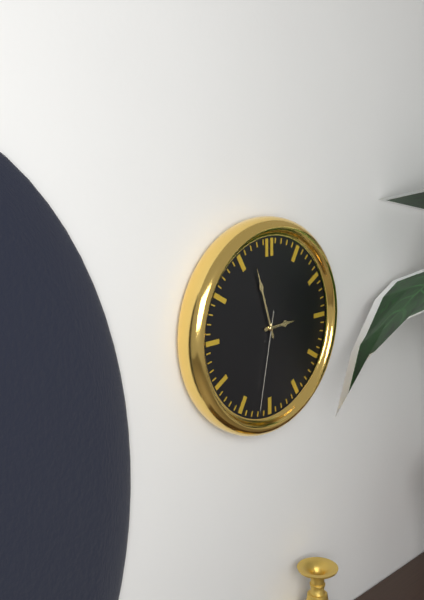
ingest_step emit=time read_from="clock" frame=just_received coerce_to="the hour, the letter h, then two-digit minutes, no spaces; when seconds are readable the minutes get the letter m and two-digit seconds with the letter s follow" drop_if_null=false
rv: 2h57m32s
